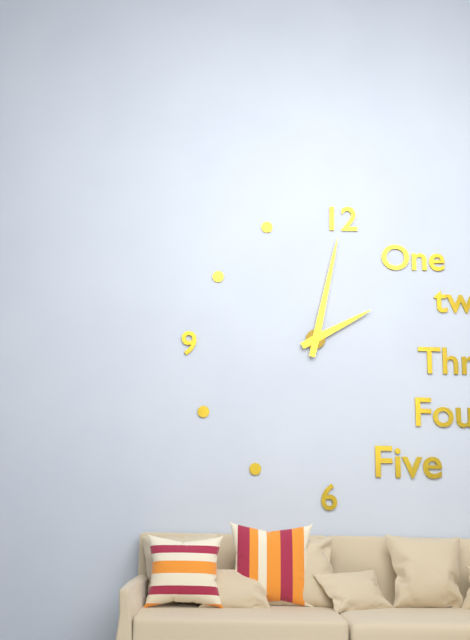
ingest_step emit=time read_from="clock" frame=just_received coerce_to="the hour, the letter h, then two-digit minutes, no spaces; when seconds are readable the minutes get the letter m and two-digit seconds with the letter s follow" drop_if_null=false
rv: 2h02
